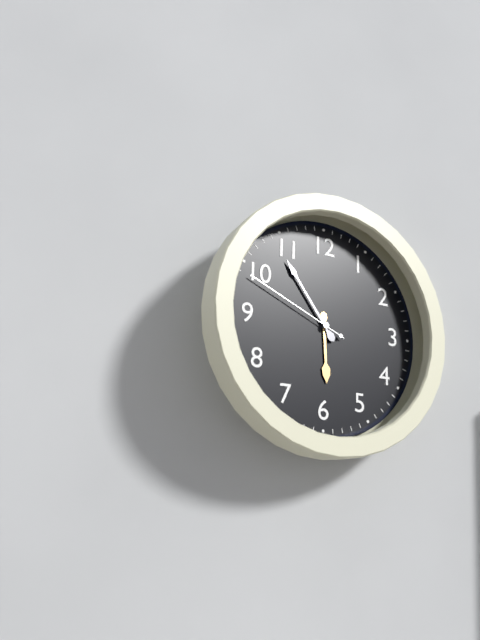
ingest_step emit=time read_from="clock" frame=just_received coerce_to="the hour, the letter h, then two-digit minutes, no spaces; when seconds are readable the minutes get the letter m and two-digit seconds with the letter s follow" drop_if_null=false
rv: 5h54m49s
